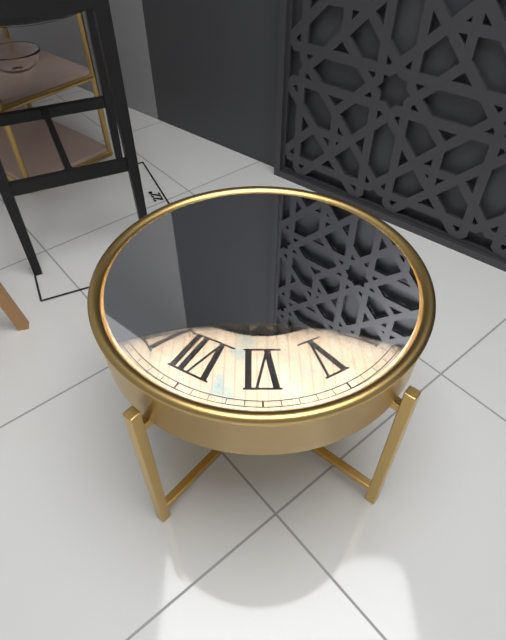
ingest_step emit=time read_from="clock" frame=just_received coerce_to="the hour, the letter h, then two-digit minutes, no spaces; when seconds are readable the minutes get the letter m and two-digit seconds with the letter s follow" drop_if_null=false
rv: 9h05
